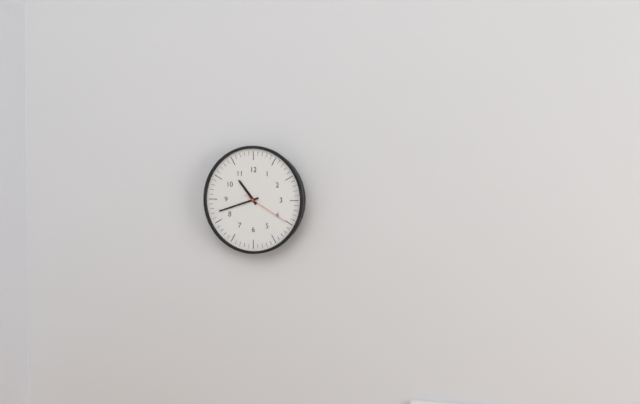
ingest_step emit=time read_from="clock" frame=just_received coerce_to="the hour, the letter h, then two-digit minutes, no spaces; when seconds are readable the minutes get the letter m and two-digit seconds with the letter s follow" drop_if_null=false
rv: 10h42m20s
